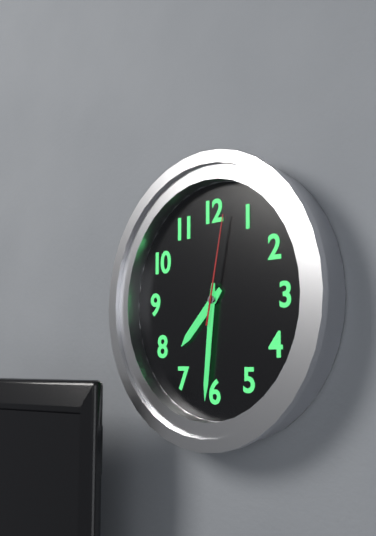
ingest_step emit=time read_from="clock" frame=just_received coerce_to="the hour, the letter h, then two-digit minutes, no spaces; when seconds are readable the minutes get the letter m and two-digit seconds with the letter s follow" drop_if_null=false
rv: 7h31m02s
